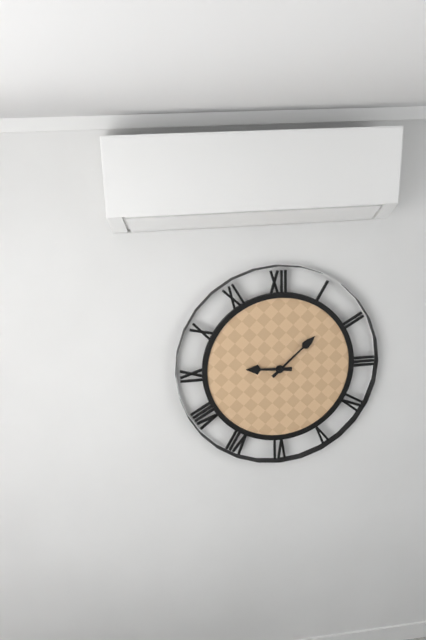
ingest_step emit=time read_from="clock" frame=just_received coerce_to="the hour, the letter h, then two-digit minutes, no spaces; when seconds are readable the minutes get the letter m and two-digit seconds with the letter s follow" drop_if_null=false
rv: 9h08
